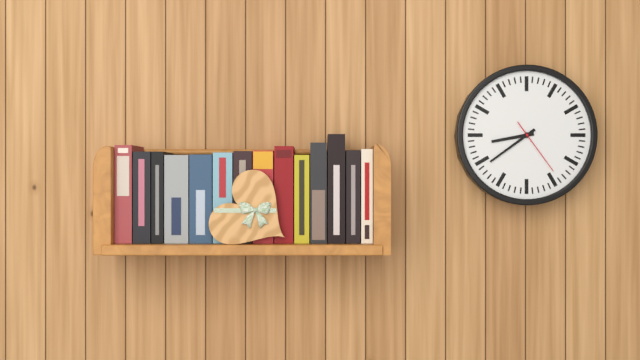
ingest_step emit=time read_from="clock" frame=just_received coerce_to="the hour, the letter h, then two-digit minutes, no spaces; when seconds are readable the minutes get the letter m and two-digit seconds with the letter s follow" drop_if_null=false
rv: 8h39m24s
